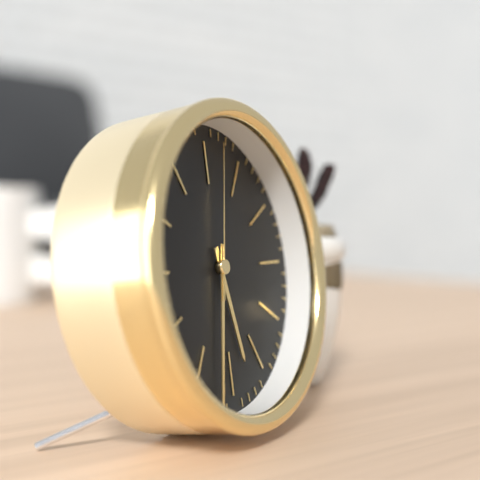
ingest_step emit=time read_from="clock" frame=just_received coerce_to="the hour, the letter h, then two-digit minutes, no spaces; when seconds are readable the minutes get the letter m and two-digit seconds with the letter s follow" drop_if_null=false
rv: 5h32m02s
